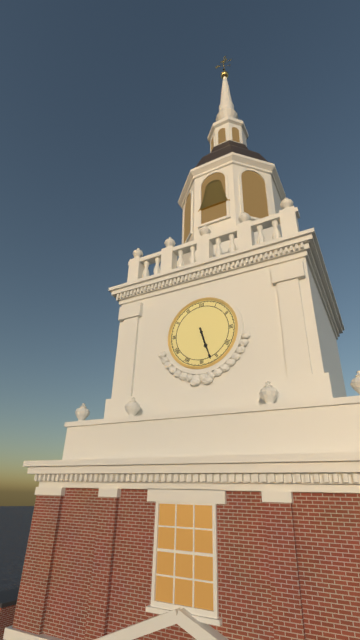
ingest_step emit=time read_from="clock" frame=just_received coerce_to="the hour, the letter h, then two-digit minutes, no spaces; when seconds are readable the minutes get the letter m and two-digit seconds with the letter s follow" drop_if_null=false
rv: 5h27
